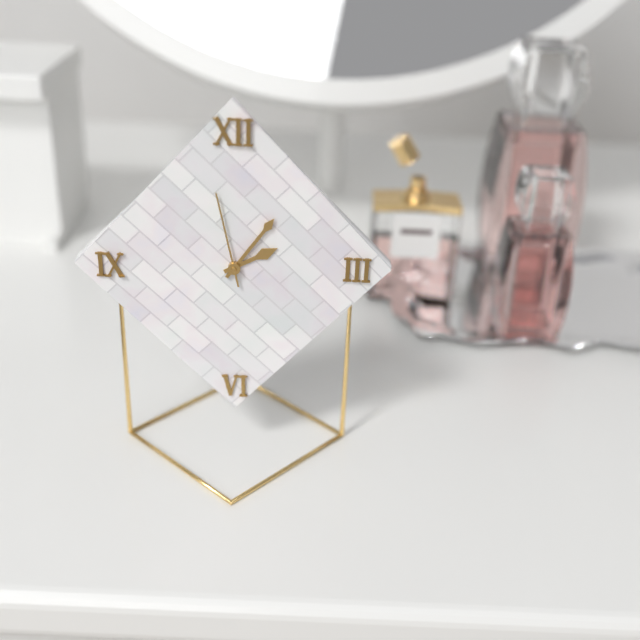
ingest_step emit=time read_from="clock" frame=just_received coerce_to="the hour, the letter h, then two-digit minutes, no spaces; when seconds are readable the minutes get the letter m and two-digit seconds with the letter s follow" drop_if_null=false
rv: 2h06m58s
